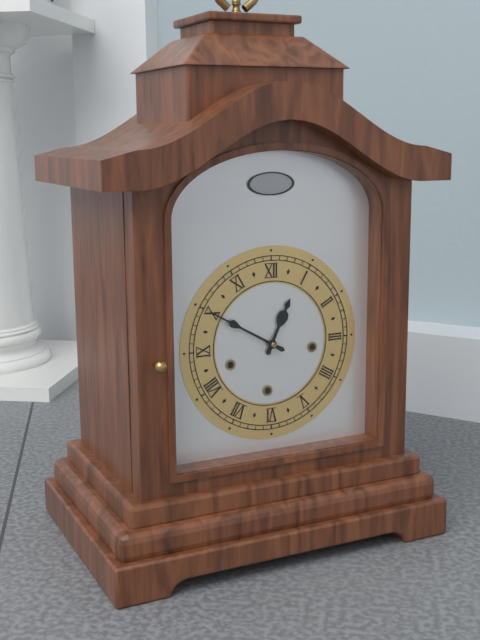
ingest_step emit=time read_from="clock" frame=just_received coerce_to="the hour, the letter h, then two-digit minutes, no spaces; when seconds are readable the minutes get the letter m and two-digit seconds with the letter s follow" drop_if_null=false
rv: 12h50
